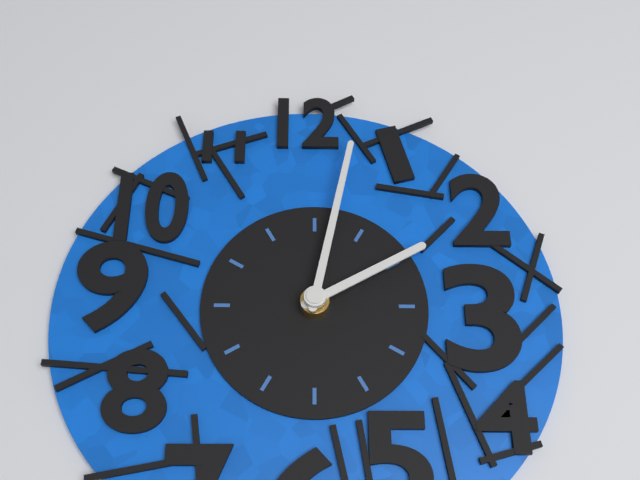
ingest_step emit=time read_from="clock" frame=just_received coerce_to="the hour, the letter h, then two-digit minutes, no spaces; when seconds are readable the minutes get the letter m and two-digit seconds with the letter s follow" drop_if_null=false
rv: 2h02
